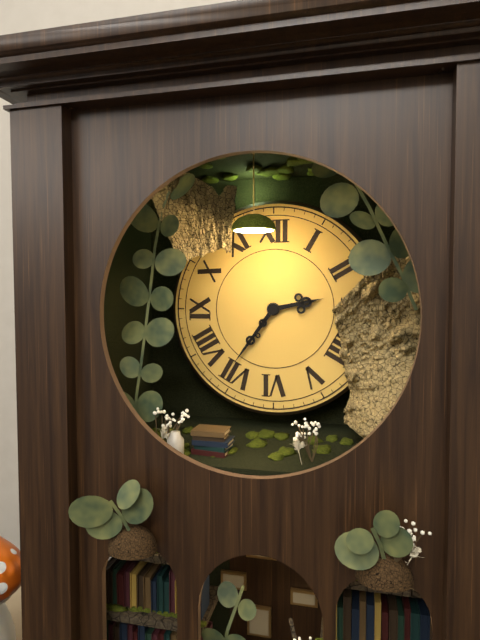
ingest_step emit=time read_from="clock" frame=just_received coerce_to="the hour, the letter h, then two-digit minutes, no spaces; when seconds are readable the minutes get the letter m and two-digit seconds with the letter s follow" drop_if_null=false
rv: 2h36
